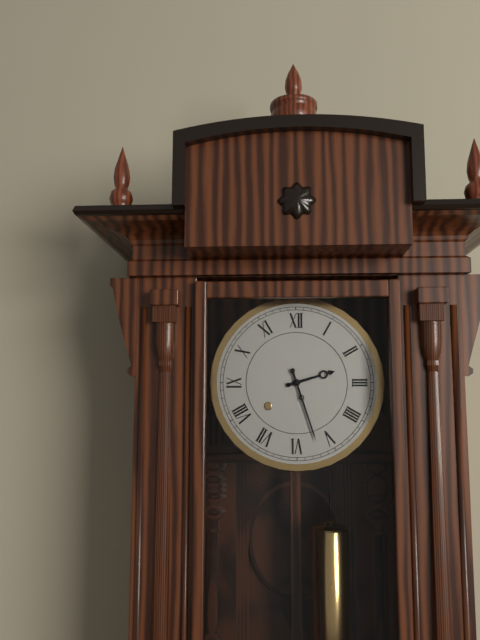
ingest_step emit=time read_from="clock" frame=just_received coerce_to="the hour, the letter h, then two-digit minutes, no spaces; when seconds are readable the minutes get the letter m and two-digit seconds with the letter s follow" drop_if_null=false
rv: 2h27
